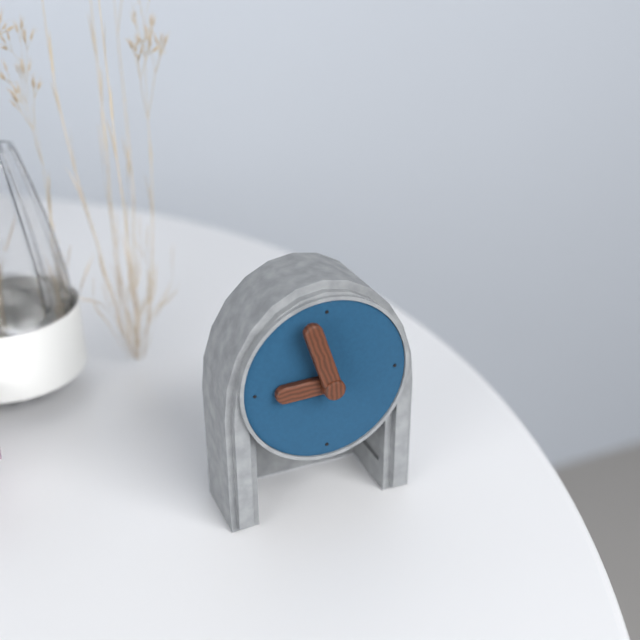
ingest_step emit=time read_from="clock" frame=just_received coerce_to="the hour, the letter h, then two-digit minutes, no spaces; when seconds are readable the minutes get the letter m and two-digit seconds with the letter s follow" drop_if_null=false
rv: 8h57
